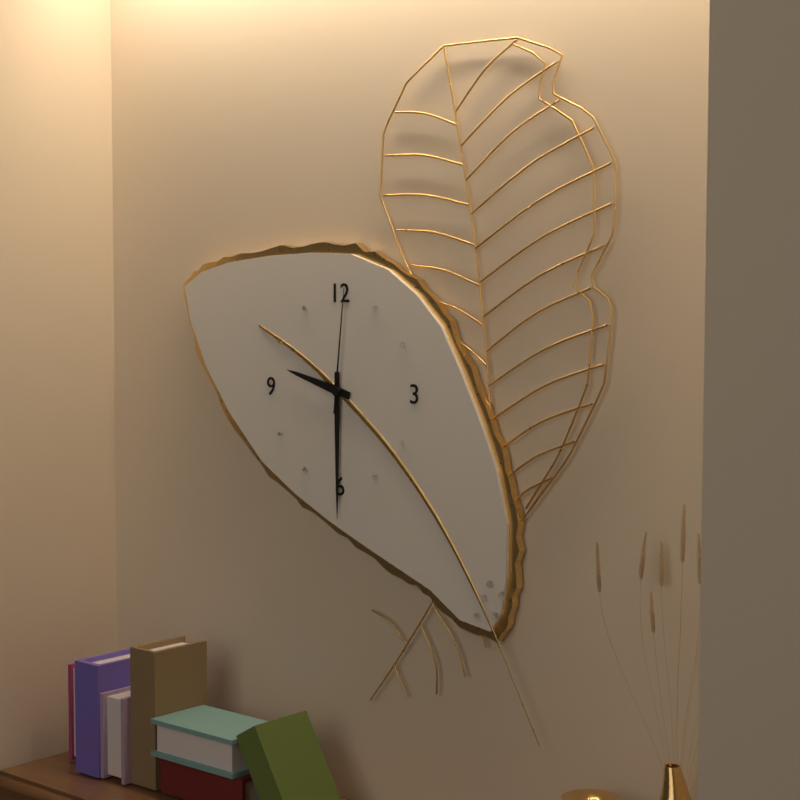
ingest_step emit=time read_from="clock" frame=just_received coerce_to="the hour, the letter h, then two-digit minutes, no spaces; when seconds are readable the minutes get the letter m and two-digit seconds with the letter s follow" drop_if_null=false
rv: 9h30m01s
